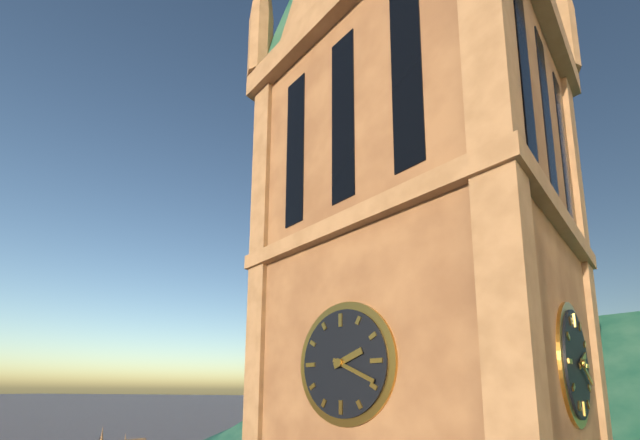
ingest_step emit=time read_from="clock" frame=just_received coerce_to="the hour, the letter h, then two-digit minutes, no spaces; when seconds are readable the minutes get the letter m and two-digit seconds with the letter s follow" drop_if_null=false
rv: 2h19
